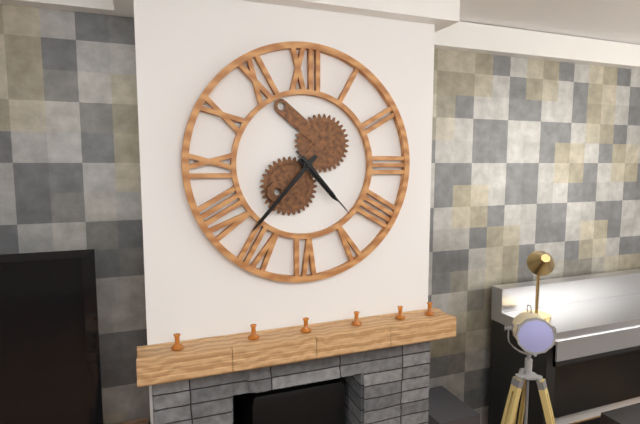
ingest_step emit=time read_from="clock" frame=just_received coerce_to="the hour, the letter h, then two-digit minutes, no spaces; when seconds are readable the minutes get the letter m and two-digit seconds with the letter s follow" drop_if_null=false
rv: 4h37m23s
